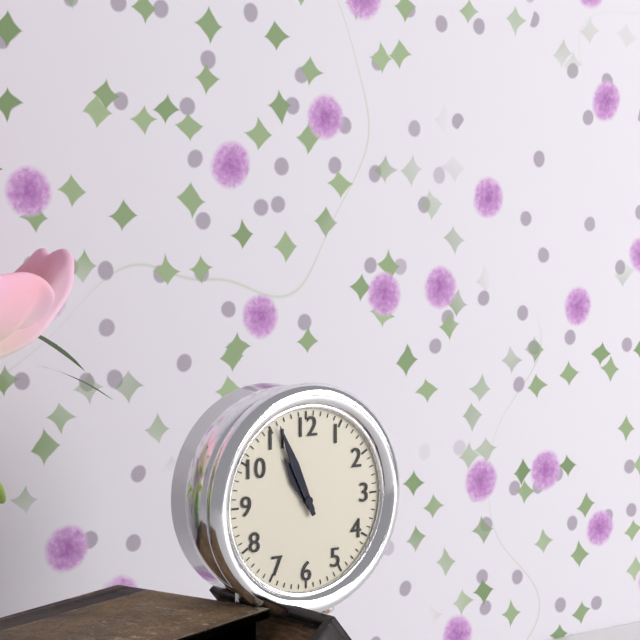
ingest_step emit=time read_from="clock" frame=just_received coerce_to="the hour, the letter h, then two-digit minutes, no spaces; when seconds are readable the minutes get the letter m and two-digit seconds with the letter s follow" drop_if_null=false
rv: 10h56
